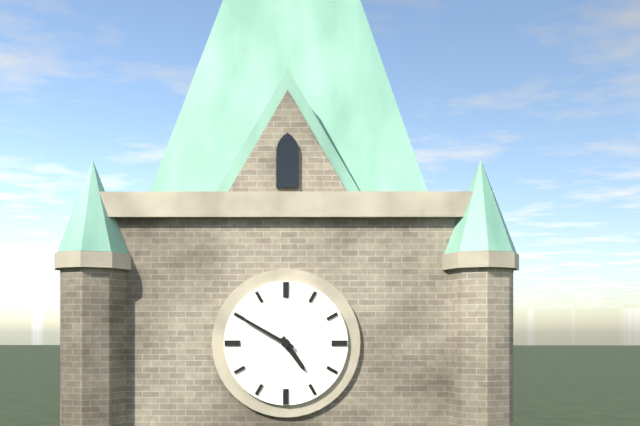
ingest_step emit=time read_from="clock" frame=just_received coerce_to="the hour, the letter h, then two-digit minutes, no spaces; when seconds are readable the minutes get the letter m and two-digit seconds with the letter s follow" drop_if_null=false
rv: 4h50
